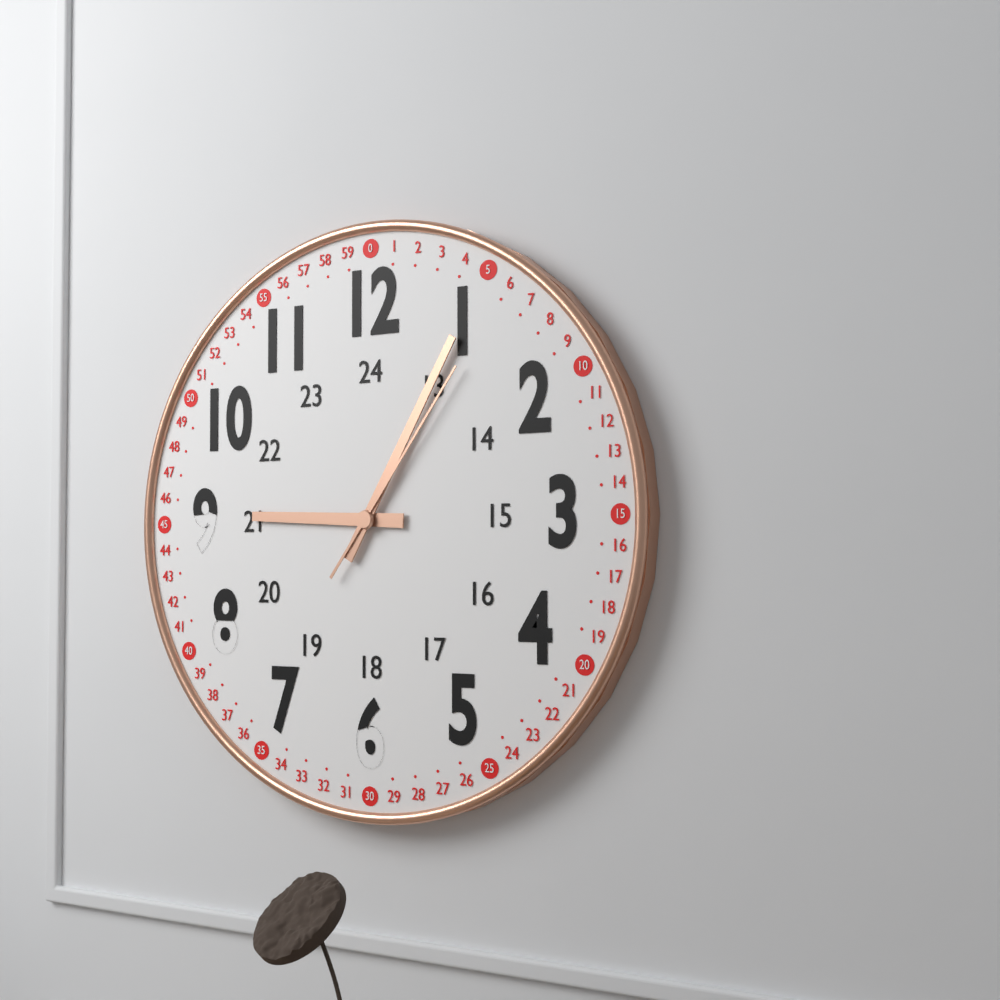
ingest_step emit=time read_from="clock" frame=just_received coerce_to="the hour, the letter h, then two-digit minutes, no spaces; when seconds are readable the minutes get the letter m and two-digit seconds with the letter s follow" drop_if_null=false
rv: 9h05m06s
